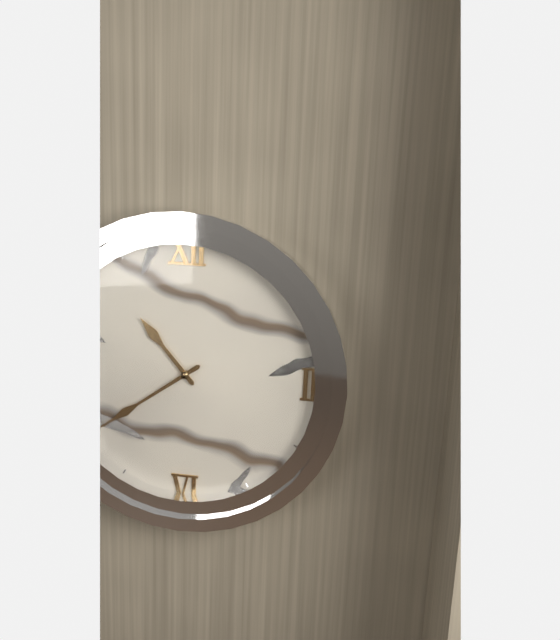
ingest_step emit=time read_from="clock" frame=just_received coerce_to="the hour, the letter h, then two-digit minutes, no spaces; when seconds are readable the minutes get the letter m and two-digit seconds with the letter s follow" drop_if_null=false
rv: 10h39
